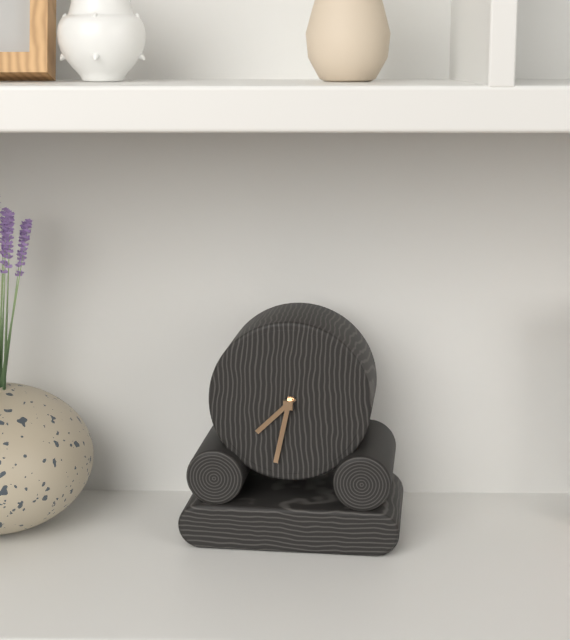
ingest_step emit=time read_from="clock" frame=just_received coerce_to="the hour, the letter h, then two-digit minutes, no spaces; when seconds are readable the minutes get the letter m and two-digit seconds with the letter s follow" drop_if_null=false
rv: 7h32
